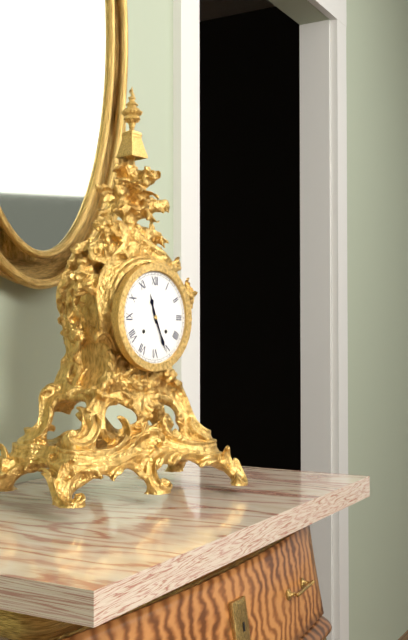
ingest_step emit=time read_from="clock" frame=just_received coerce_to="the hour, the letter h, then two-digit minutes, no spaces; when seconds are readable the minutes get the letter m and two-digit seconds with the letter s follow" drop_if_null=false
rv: 11h26
